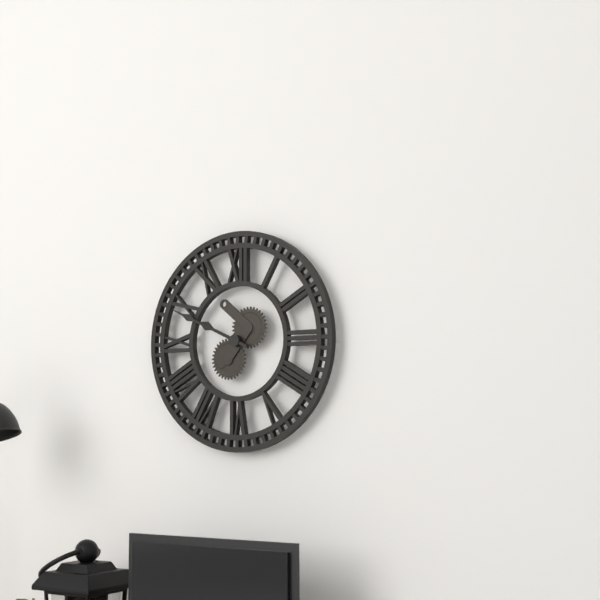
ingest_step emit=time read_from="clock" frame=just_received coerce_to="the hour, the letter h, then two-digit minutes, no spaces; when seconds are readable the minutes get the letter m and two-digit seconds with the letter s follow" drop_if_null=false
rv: 9h49
